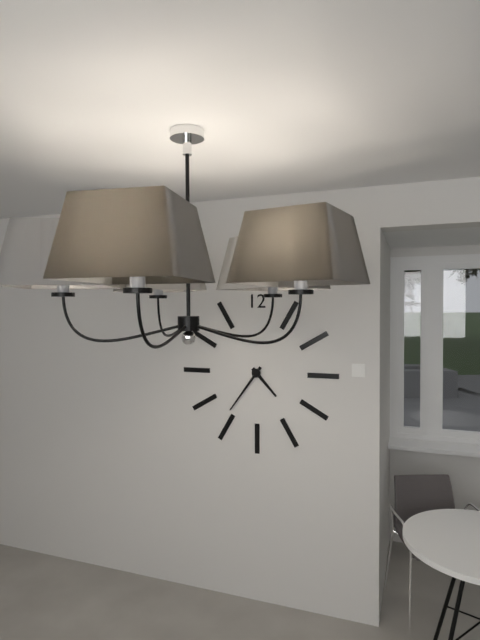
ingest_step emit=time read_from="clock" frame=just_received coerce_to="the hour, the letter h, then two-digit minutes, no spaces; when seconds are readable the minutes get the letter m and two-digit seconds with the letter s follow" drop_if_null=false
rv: 4h36
